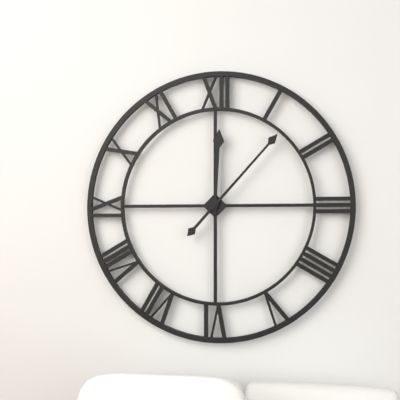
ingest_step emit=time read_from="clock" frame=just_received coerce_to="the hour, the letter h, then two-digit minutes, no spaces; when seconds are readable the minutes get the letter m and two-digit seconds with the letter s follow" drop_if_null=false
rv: 12h07
